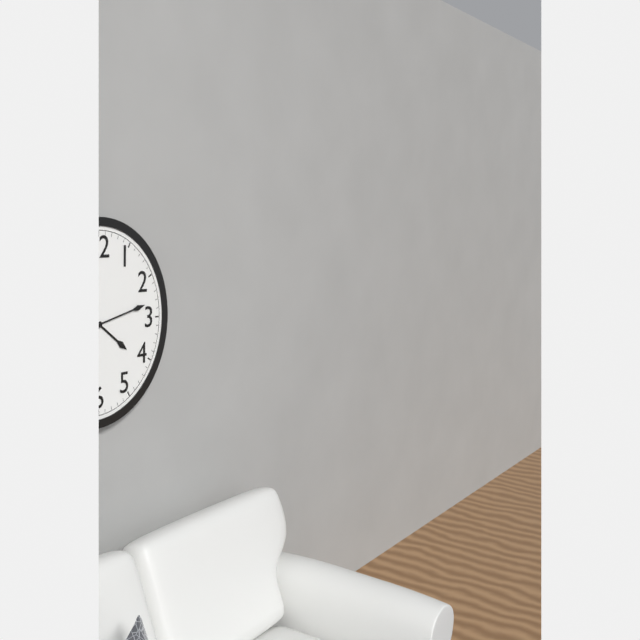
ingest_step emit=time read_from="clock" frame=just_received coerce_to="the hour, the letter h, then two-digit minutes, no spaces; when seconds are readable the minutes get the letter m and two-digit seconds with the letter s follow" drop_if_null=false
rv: 4h13
